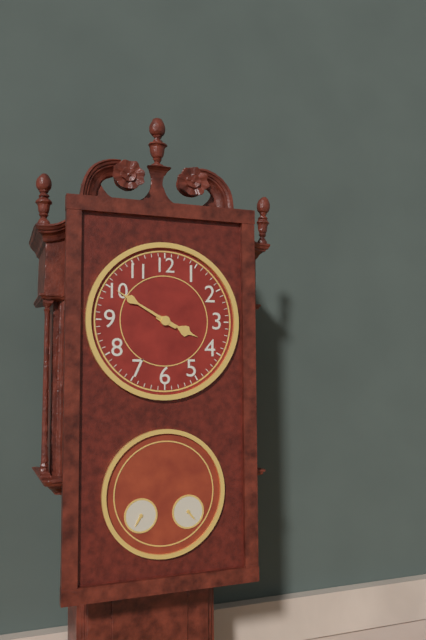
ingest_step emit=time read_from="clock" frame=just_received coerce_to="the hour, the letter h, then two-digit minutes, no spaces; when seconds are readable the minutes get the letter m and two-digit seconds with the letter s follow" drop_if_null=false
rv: 3h50
